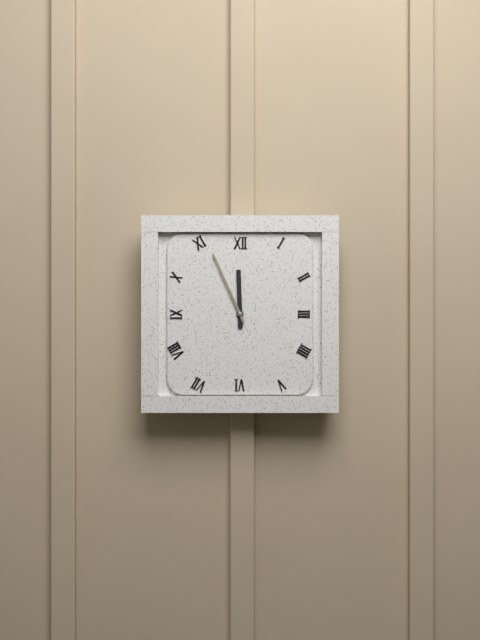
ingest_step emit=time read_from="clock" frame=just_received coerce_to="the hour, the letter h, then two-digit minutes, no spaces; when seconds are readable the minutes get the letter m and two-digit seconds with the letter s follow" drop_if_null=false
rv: 11h56
